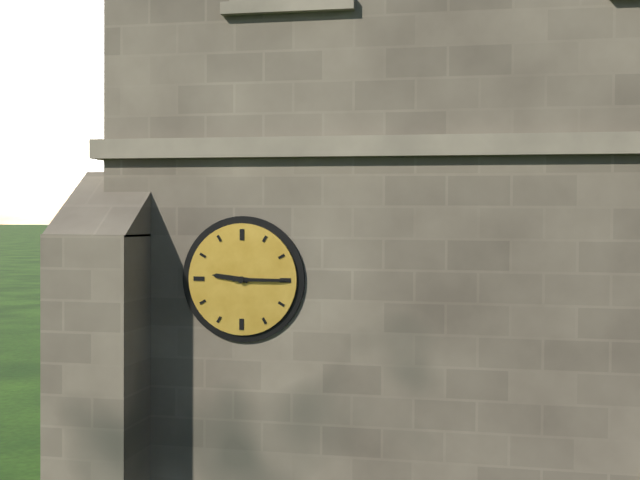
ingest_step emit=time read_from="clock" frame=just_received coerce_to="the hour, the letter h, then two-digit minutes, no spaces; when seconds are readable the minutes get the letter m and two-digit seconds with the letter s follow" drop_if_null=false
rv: 9h15
